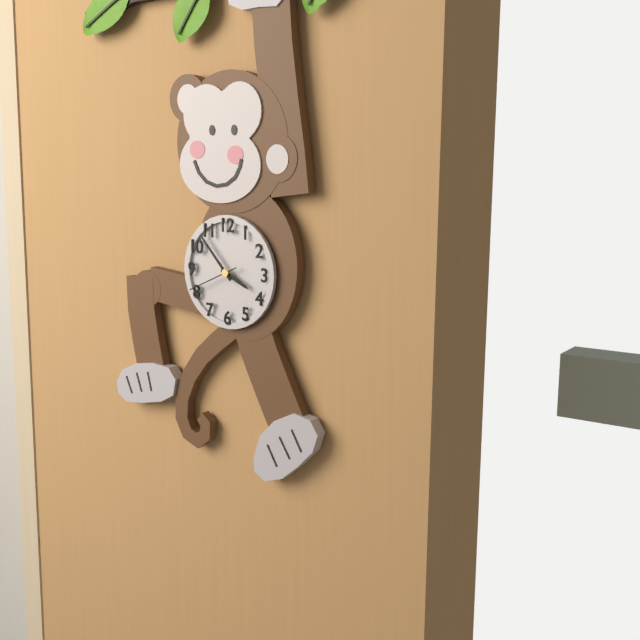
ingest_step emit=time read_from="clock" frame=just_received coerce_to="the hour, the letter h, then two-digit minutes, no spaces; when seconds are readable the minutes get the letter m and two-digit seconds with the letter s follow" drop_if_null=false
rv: 3h53m41s
